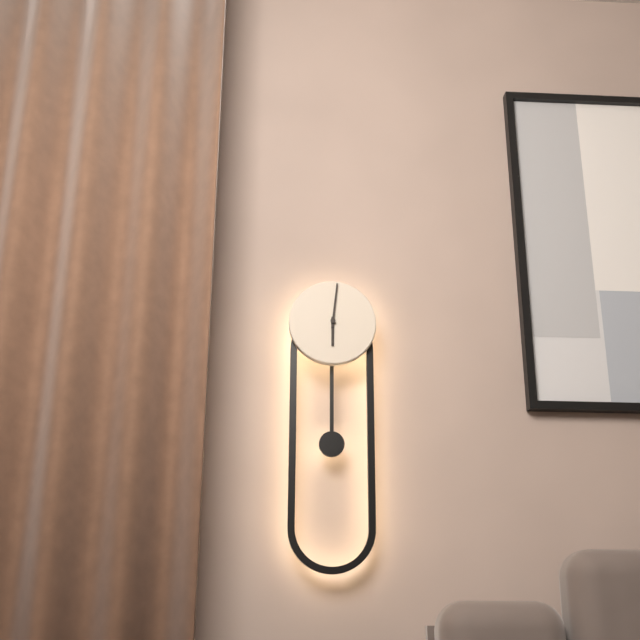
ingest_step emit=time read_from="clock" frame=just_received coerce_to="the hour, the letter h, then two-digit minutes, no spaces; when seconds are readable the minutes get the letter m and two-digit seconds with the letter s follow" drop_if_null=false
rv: 6h01
